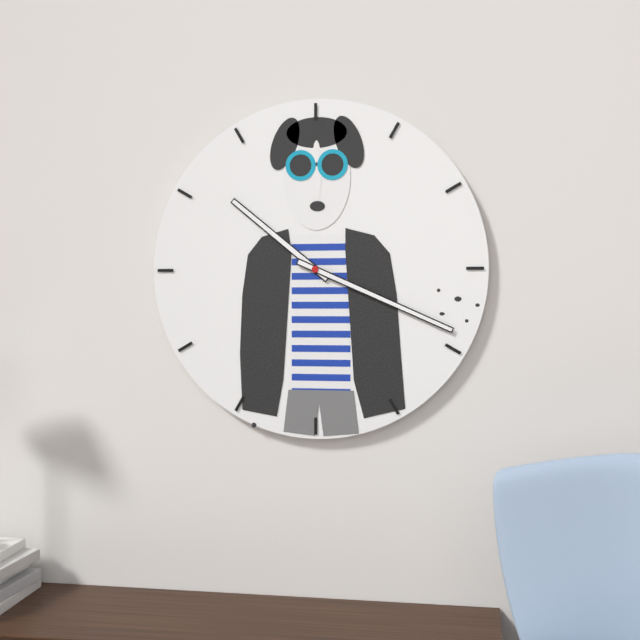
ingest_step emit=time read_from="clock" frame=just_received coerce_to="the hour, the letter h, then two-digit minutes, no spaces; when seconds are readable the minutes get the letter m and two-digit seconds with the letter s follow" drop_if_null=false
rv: 10h19
